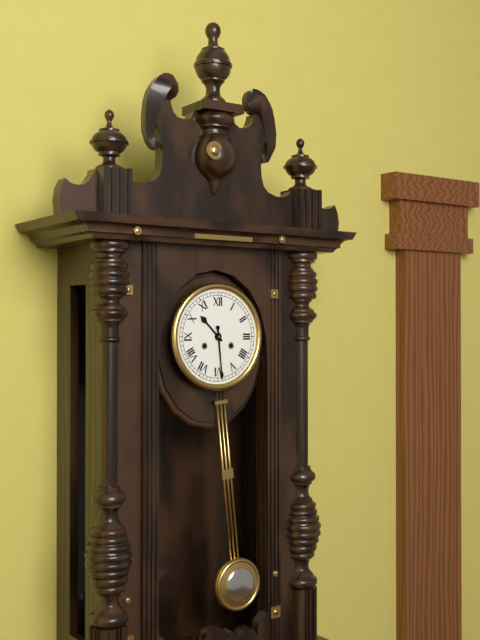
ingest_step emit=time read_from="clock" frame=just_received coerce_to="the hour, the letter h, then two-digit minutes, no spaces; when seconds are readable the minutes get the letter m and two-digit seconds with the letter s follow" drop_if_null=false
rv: 10h29
